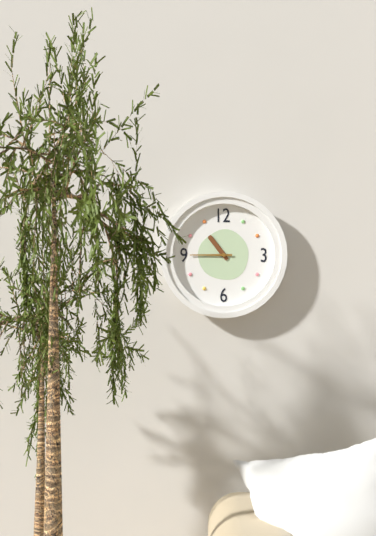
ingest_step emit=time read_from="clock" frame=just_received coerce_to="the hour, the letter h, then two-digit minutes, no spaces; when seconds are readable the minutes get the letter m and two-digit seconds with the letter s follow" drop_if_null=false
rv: 10h45
